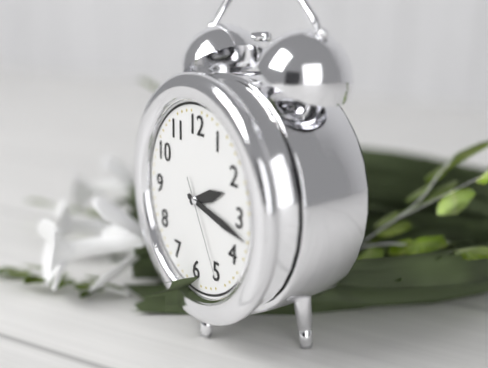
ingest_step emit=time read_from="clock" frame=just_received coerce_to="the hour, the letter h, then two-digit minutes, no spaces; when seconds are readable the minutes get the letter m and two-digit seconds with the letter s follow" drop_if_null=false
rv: 2h17m25s
